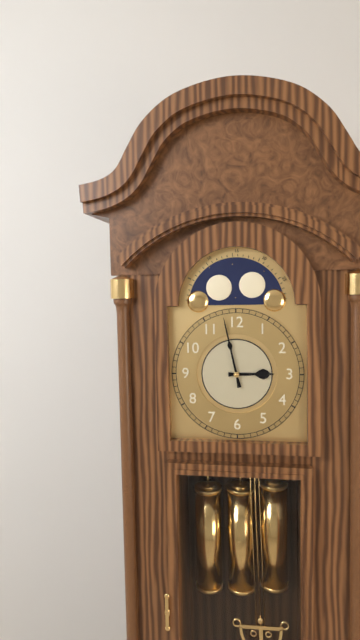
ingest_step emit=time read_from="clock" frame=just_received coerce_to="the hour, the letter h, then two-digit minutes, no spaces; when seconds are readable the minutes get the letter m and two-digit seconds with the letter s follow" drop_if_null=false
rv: 2h58
